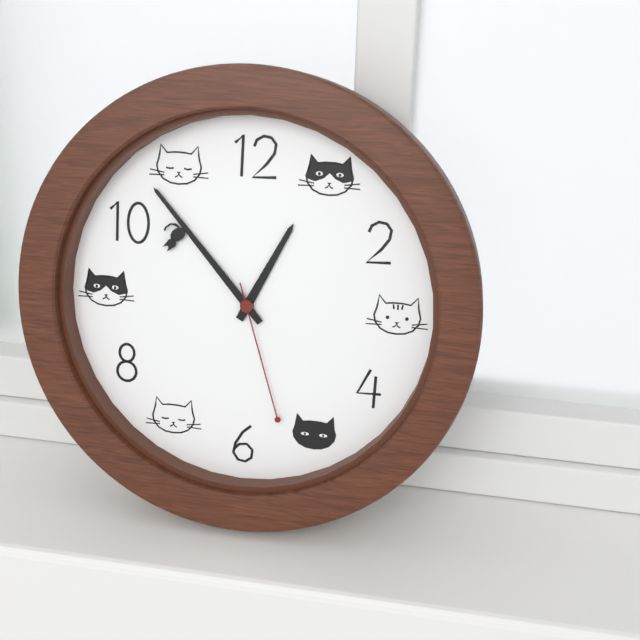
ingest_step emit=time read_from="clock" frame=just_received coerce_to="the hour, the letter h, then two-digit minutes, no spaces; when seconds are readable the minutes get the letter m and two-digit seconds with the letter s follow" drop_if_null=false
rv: 12h53m27s
